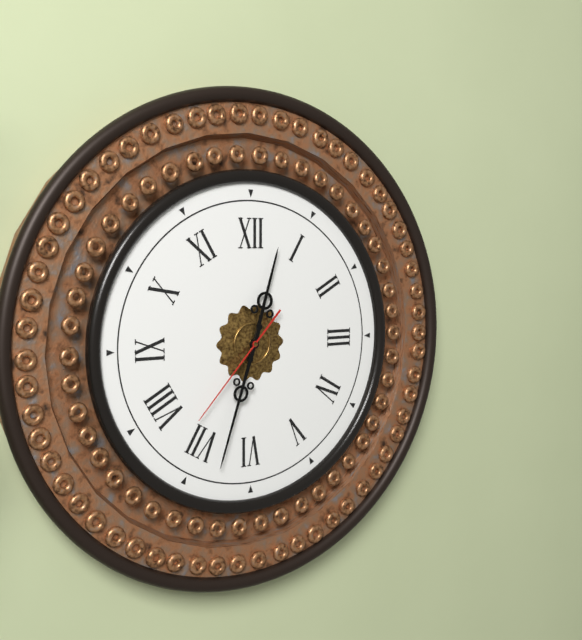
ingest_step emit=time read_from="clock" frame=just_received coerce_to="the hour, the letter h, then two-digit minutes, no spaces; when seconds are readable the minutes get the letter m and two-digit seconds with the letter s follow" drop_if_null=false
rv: 12h33m37s
